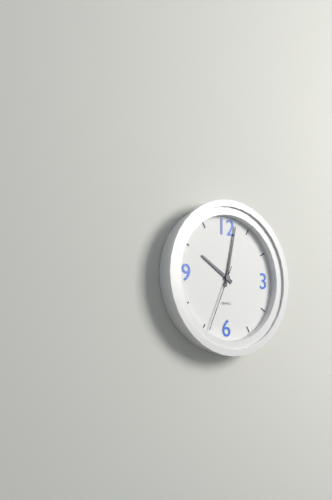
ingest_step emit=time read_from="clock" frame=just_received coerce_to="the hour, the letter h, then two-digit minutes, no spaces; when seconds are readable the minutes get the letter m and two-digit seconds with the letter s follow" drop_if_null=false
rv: 10h02m34s
